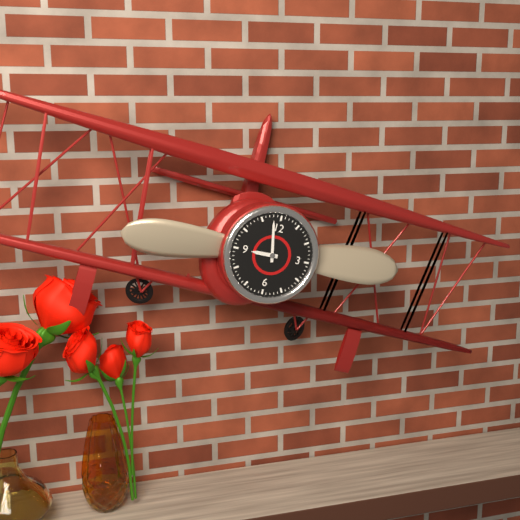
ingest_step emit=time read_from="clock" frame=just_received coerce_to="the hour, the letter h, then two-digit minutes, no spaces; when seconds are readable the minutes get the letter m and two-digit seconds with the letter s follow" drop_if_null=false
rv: 8h58
